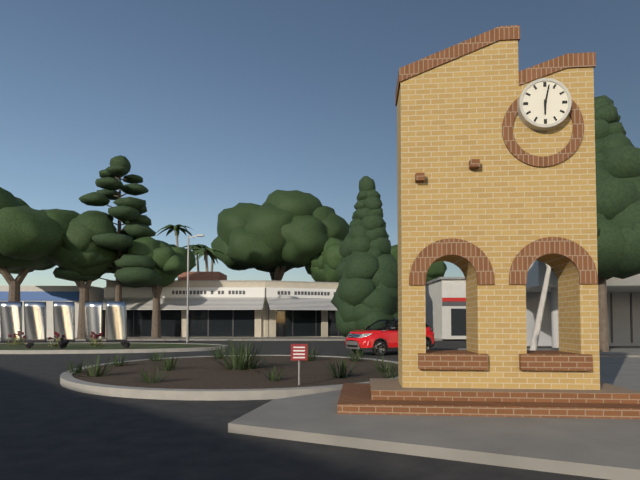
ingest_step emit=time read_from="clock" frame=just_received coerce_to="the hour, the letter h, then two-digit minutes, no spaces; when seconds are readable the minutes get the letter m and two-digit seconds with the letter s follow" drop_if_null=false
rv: 6h02
